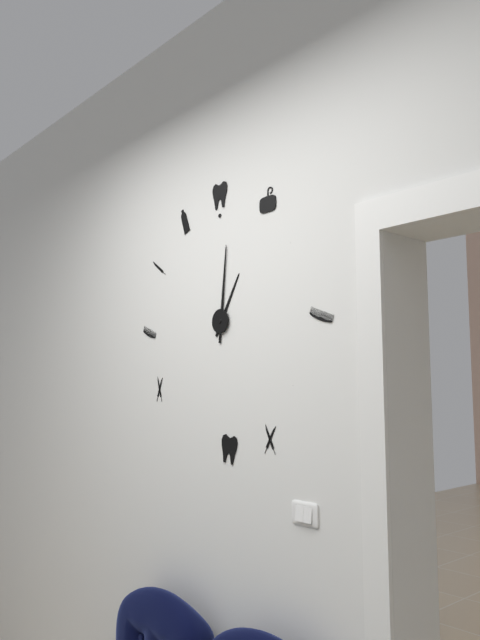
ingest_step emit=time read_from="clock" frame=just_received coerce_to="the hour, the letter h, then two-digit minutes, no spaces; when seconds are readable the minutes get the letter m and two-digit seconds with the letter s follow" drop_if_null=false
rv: 1h01
